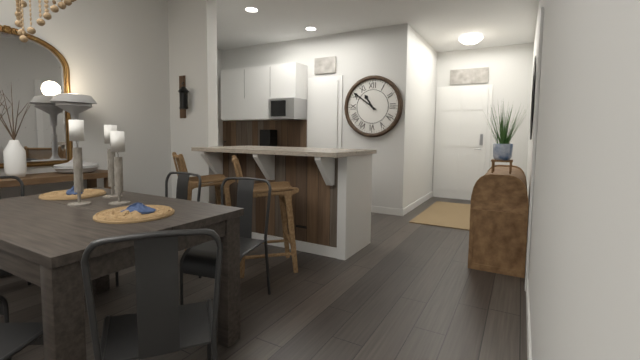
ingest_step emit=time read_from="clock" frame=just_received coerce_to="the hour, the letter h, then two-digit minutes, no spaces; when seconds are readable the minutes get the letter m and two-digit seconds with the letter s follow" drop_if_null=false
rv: 10h51
